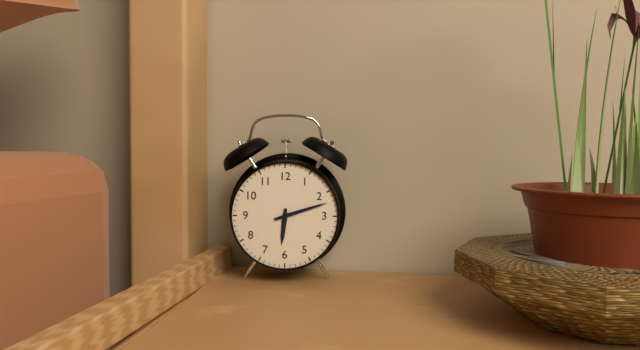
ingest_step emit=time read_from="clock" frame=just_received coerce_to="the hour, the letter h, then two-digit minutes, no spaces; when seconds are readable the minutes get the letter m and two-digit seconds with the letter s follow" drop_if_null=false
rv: 6h12
